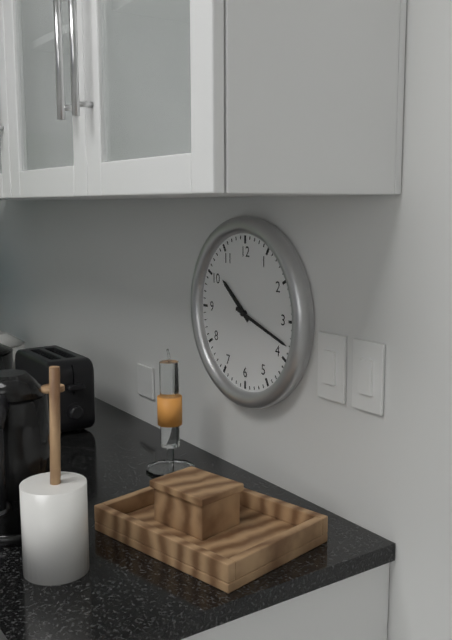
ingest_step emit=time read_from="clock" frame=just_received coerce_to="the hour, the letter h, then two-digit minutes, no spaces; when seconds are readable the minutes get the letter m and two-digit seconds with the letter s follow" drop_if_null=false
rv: 10h18
